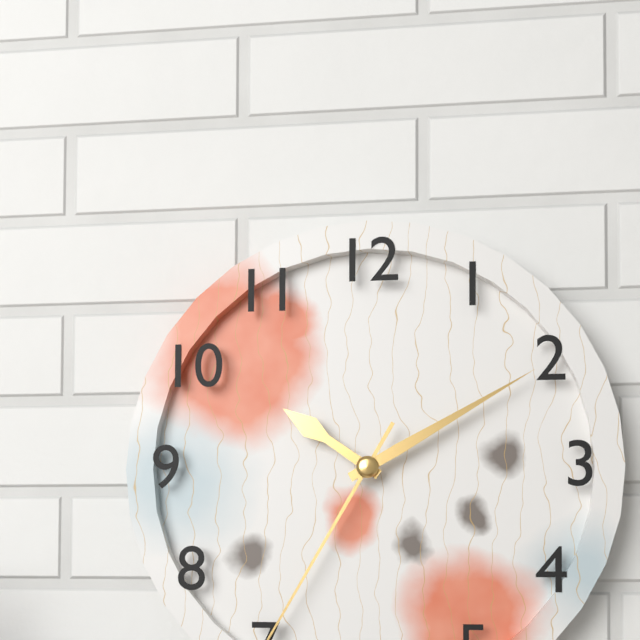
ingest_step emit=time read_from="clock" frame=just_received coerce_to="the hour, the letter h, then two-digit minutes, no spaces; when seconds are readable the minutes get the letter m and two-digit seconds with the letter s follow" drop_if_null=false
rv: 10h10
